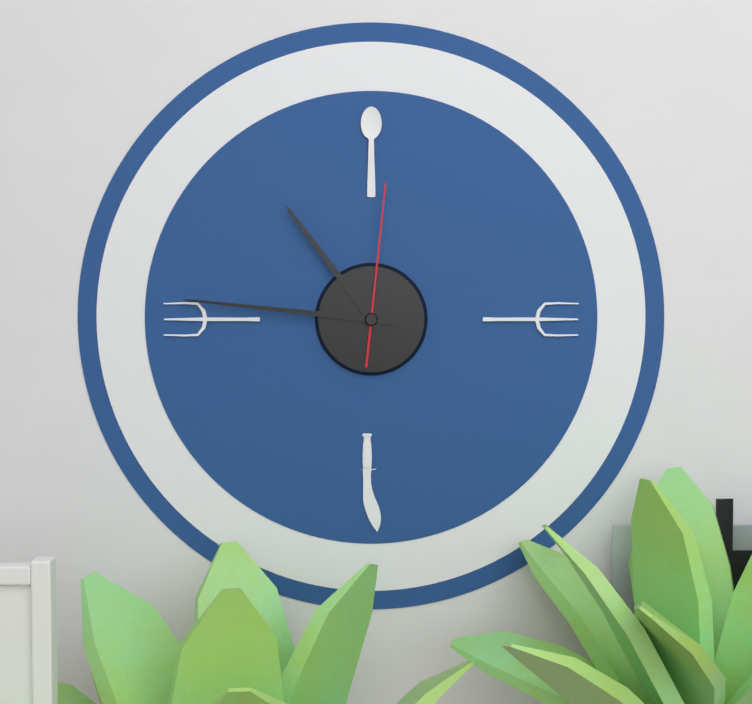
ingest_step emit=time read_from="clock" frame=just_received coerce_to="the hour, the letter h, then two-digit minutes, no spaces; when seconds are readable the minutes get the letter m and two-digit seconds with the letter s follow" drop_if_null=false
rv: 10h46m01s
